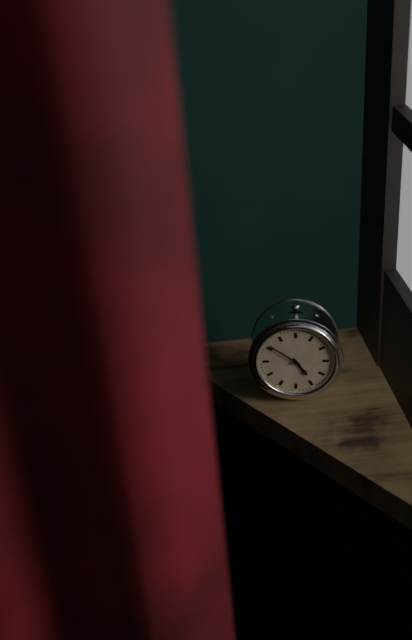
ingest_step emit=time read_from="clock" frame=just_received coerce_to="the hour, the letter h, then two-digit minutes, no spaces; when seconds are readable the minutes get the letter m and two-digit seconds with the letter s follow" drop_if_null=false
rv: 4h51
